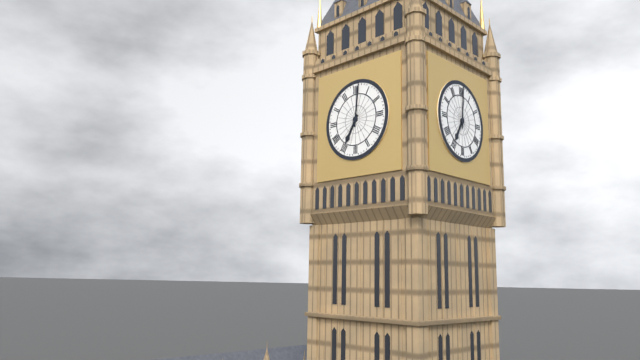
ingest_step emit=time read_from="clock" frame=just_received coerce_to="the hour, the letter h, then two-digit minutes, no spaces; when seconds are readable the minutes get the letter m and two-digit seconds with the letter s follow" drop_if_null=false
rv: 7h01
